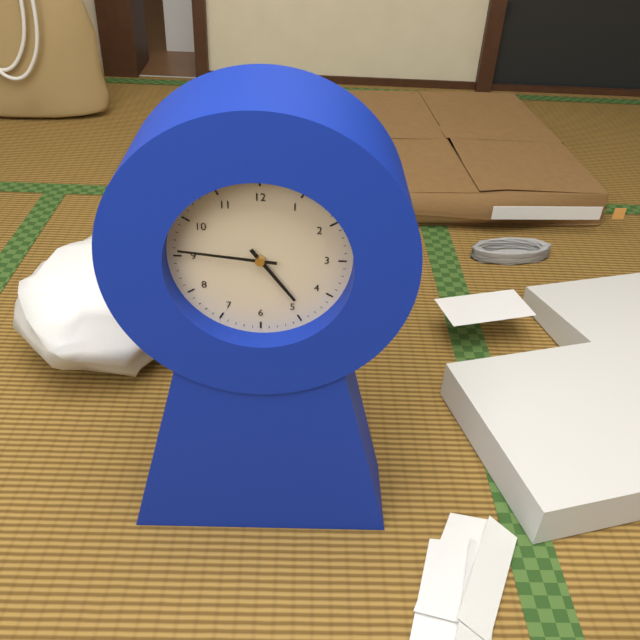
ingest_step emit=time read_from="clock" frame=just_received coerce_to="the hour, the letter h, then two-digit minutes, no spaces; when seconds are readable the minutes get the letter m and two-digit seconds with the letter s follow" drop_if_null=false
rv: 4h46
